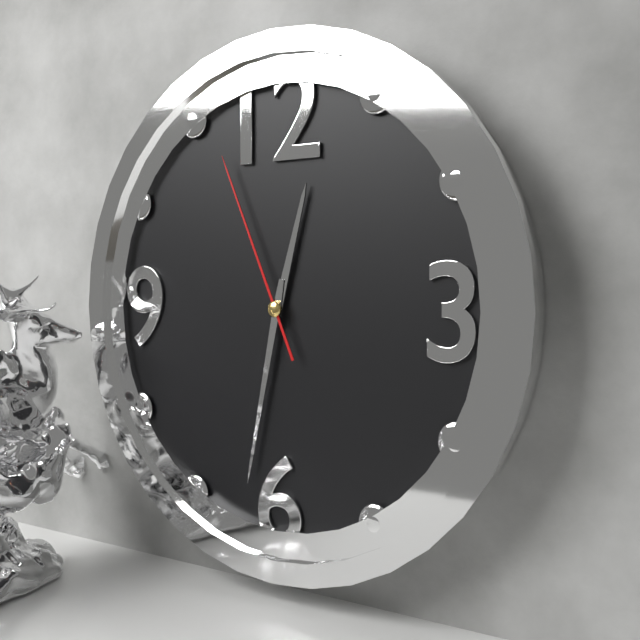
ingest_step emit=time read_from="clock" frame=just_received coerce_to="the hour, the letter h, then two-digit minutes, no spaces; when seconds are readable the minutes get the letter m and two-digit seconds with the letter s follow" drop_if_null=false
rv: 12h32m56s
